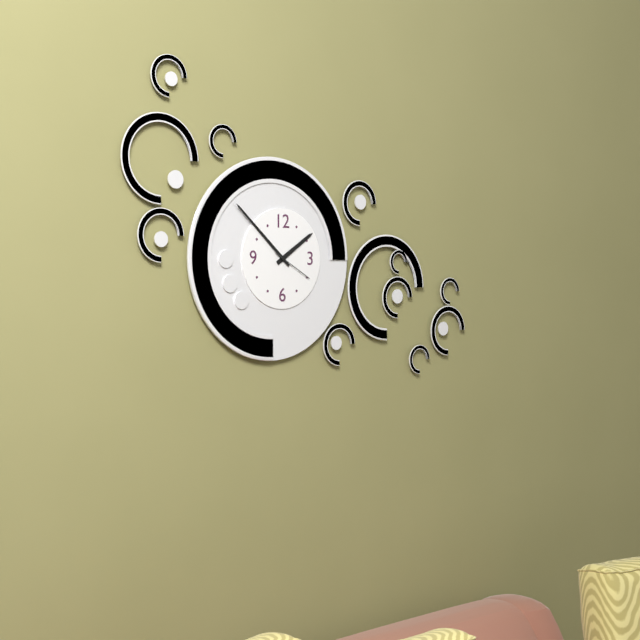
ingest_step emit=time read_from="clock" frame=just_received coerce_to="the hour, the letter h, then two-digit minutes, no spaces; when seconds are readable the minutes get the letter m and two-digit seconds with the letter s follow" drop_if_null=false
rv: 1h52
